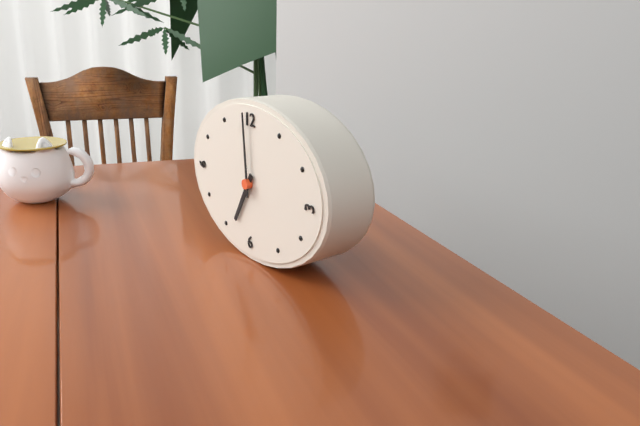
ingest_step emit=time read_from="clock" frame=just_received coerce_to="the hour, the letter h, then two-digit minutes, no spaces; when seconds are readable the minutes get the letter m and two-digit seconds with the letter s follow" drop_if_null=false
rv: 6h59
